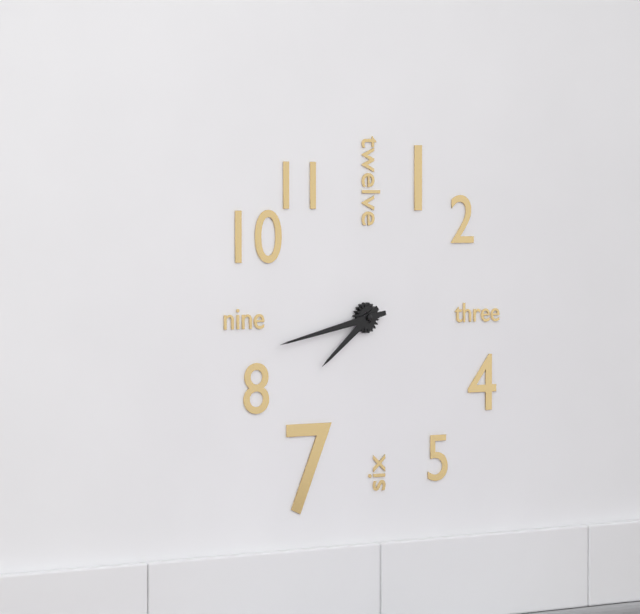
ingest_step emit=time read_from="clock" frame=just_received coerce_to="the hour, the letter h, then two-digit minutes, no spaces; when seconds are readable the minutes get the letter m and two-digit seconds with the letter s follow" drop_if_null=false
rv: 7h43
